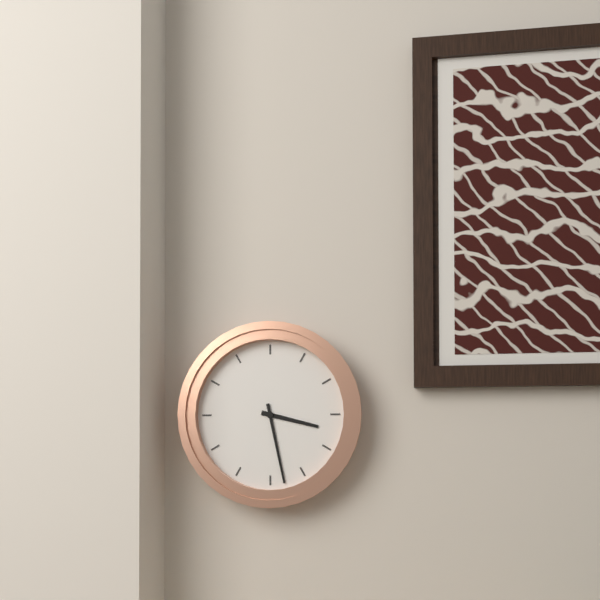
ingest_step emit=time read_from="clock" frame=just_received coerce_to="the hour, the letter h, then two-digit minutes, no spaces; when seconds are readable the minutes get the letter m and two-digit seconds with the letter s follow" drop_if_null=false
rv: 3h28
